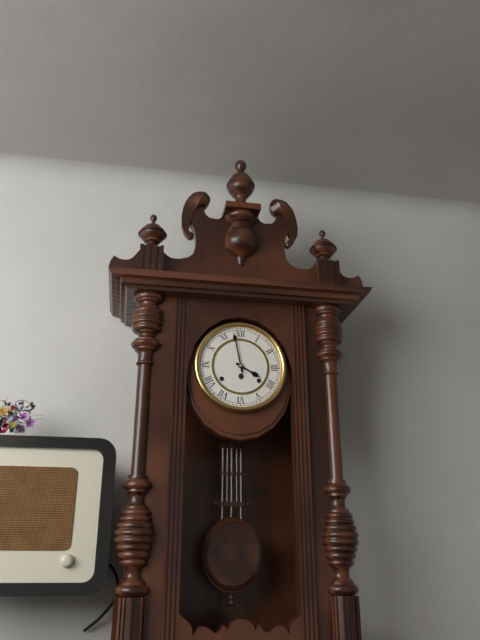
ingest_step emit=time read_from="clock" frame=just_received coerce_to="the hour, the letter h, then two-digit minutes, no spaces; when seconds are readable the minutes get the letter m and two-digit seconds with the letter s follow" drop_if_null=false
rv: 3h58
